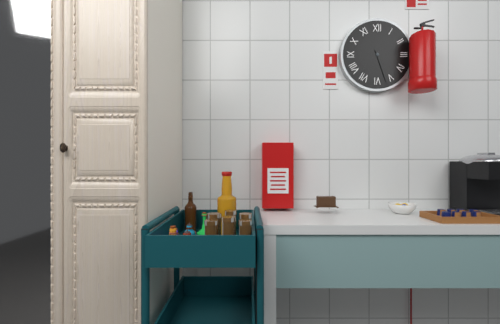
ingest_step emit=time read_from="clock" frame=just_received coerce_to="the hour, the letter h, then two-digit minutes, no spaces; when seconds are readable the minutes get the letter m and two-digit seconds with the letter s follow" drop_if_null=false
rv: 7h27
